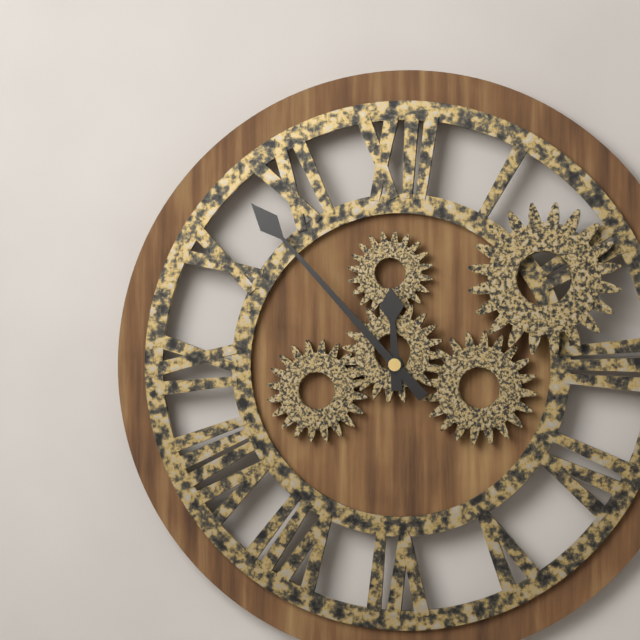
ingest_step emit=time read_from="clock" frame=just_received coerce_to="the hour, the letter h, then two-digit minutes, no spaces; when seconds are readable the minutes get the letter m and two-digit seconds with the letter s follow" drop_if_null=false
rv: 11h53
